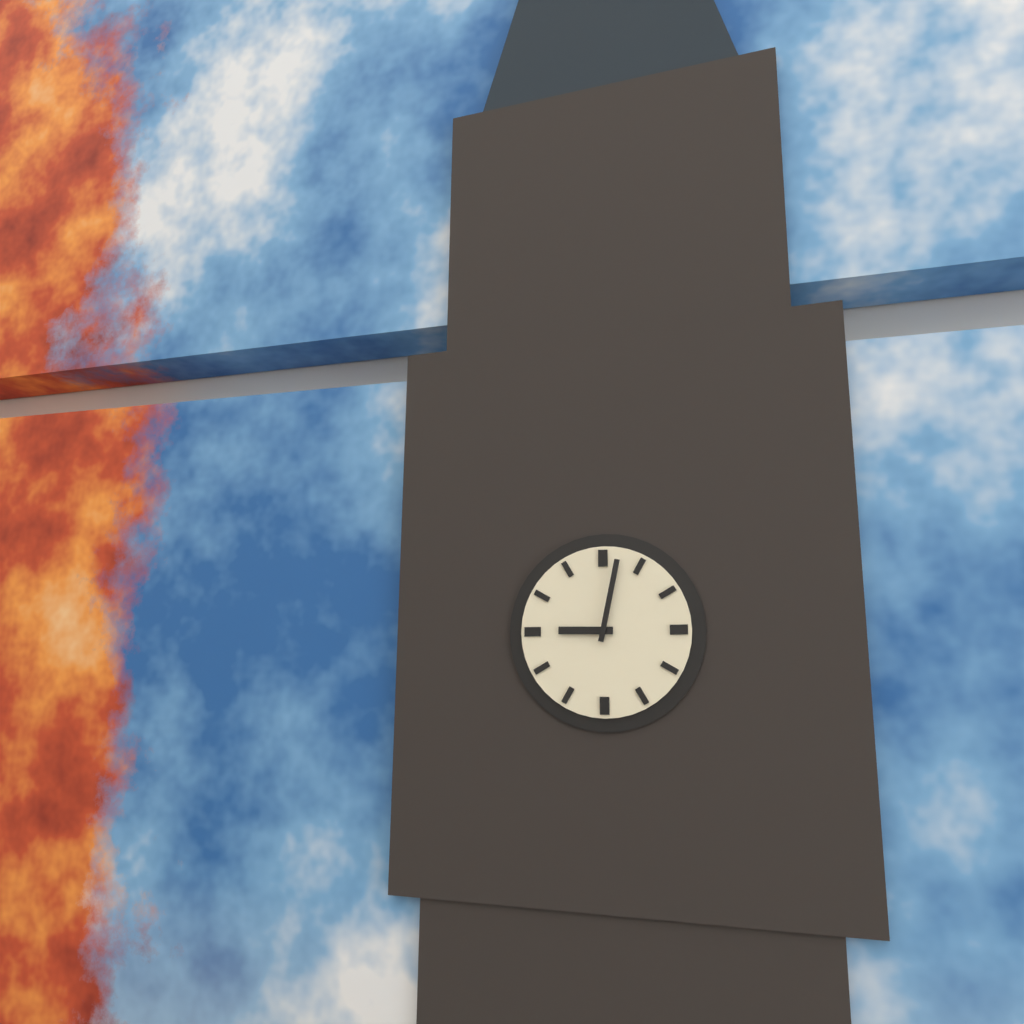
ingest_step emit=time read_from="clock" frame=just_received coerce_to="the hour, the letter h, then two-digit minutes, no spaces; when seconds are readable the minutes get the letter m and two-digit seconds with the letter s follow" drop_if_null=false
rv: 9h02
